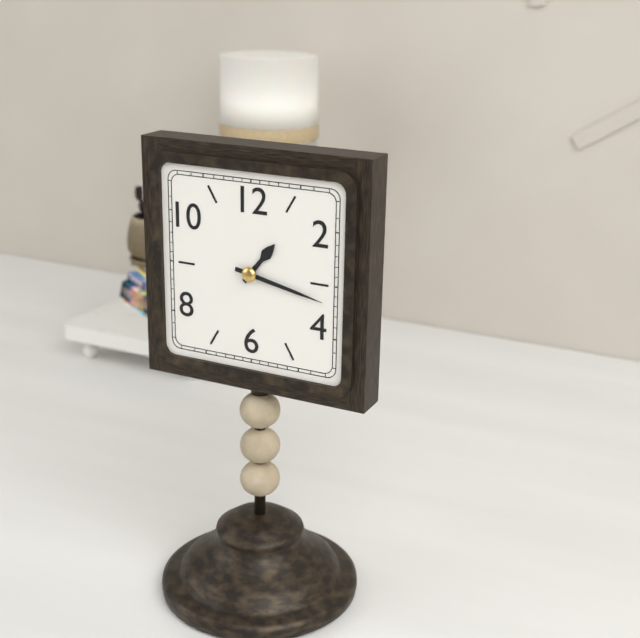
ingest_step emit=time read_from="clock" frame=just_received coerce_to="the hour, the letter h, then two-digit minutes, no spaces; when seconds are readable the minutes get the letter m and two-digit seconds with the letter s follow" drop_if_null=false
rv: 1h17
